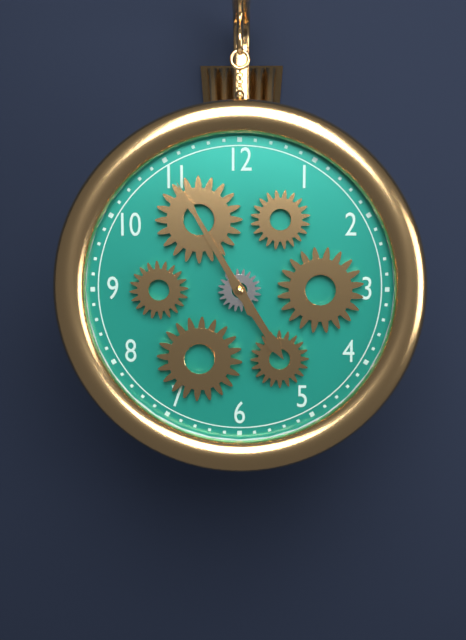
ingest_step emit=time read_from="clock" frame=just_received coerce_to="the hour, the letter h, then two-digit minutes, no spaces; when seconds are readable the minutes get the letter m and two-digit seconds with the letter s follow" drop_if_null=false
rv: 4h55
